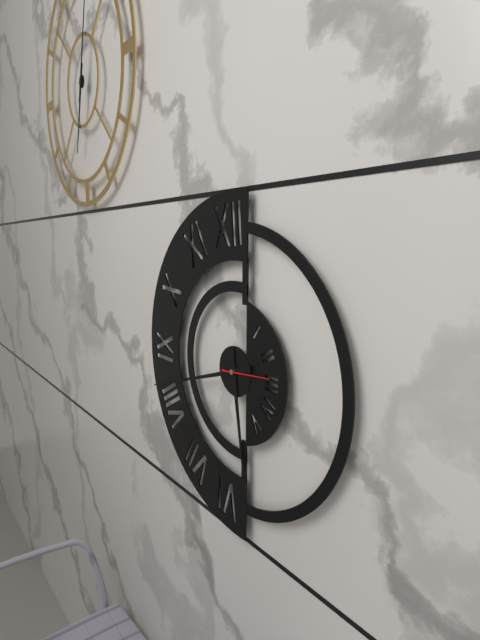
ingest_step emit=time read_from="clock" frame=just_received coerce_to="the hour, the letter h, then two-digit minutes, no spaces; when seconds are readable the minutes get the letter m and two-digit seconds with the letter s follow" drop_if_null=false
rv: 5h42
